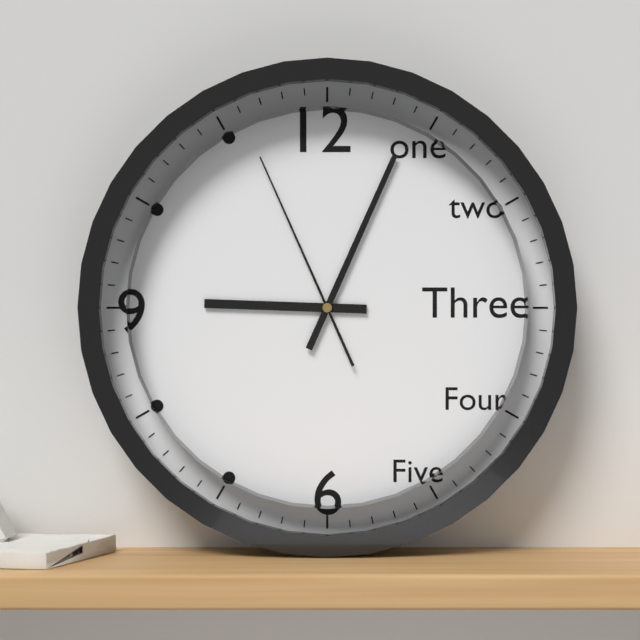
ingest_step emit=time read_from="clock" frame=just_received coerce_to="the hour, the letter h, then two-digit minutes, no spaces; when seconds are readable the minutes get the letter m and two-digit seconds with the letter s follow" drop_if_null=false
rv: 9h04m56s
